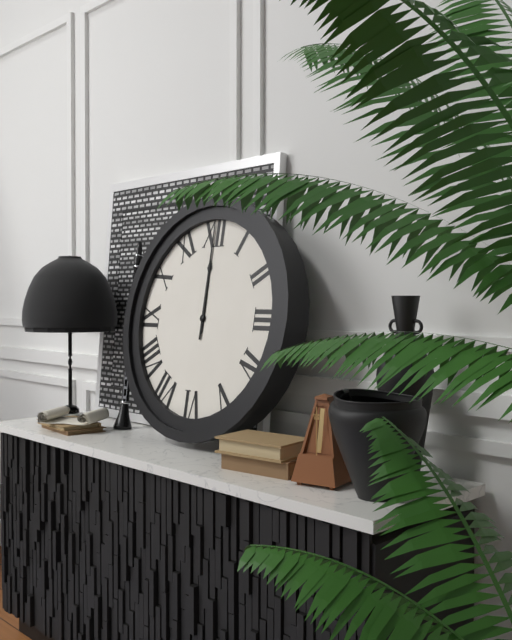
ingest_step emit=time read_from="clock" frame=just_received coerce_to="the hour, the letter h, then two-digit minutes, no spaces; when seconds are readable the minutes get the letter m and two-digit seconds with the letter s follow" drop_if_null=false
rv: 12h00
